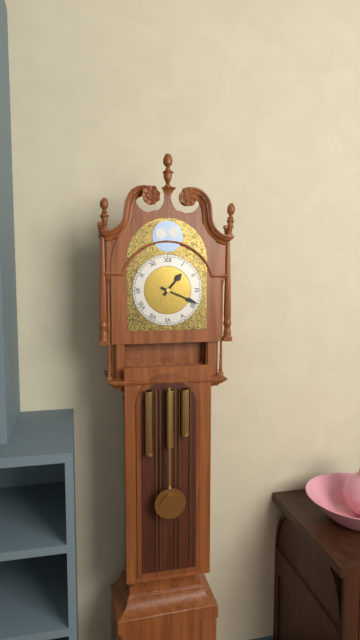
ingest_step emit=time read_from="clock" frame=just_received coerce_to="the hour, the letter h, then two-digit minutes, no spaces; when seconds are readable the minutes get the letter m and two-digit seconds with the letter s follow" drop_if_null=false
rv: 1h19
